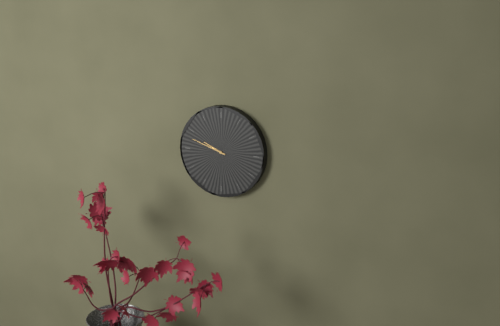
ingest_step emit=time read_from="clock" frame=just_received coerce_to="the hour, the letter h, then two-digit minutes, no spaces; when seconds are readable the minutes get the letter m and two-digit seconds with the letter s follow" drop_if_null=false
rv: 9h48
